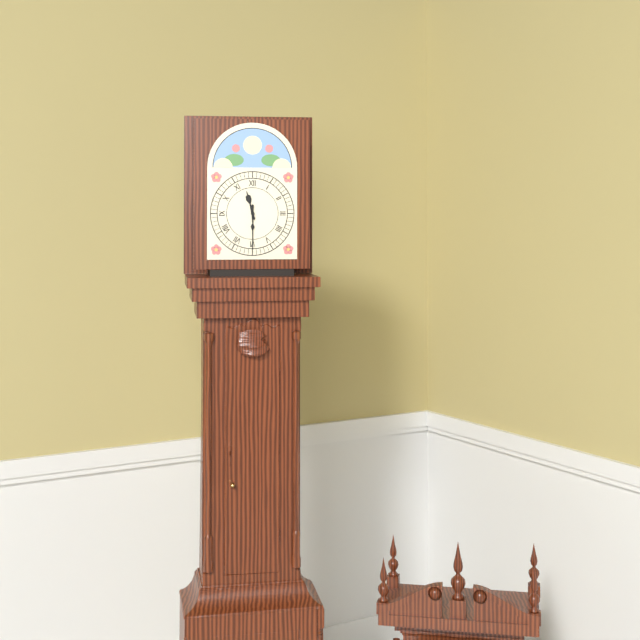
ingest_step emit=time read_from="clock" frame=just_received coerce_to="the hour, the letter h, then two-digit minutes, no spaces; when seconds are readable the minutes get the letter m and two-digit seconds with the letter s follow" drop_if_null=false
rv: 11h30
